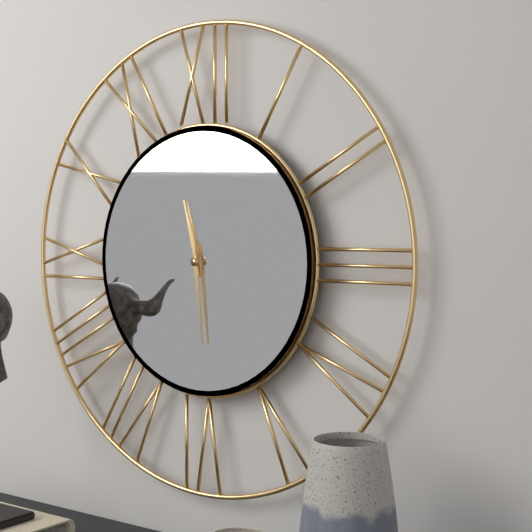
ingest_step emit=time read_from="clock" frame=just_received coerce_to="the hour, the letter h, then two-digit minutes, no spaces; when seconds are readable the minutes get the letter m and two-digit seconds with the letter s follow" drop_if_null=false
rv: 11h29
